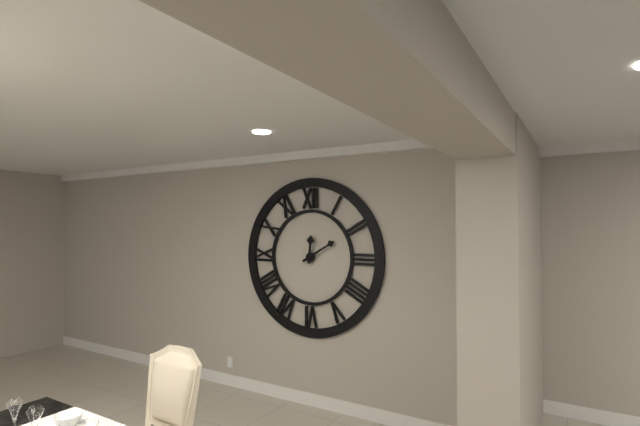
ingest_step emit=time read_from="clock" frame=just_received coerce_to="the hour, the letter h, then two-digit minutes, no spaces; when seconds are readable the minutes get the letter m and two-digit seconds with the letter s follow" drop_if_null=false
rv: 12h10
